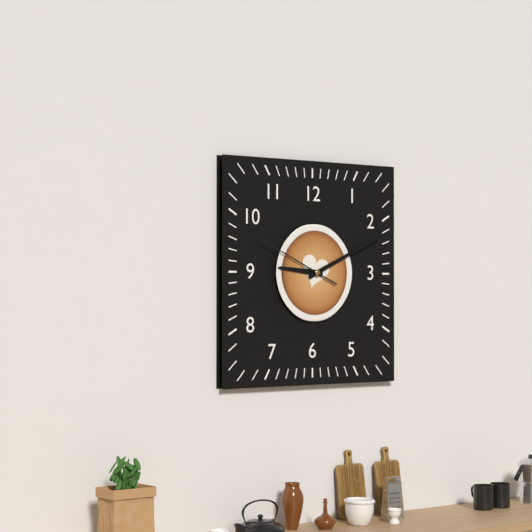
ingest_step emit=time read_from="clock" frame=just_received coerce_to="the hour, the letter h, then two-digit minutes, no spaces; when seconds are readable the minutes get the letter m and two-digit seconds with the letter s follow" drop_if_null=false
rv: 9h11m49s
